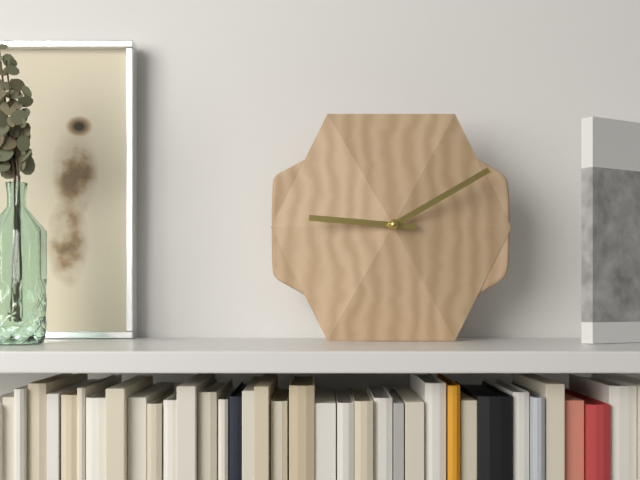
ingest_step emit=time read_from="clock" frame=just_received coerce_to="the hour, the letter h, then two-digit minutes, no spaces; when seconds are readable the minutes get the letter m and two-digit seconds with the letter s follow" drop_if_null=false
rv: 9h10
